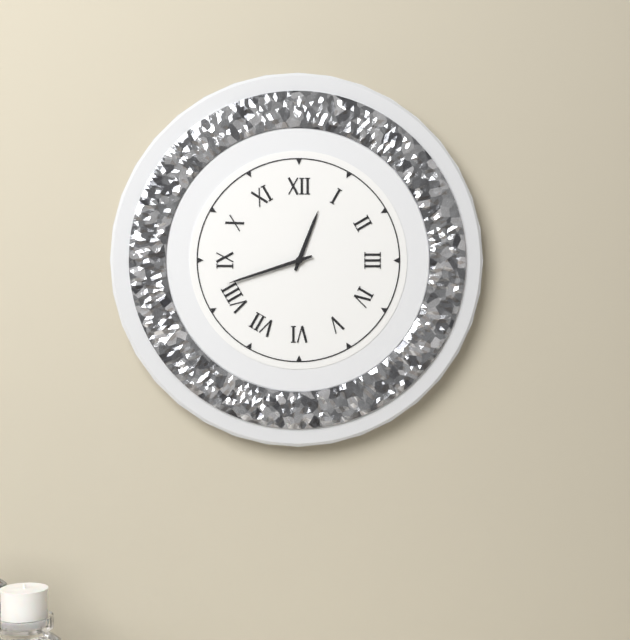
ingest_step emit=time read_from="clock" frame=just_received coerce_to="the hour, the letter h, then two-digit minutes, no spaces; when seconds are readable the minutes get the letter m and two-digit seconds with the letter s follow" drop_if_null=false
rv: 12h42
